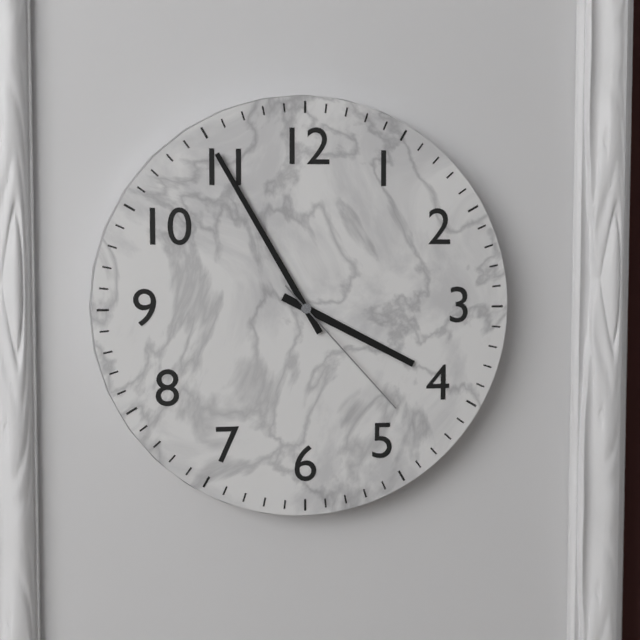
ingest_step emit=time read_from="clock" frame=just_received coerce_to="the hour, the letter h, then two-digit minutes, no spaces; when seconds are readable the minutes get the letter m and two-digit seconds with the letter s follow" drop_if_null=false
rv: 3h55m23s
